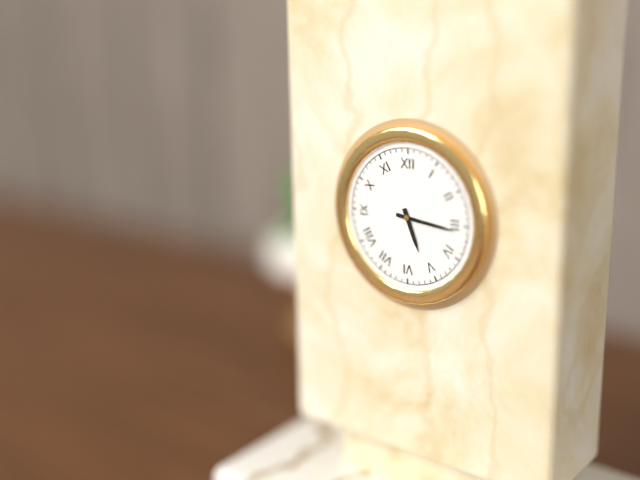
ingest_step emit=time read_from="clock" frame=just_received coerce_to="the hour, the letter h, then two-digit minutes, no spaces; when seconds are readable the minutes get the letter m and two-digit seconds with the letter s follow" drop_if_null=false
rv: 5h16
